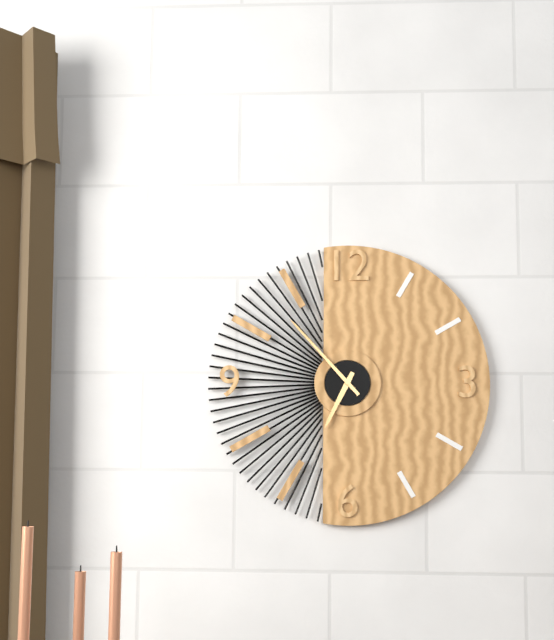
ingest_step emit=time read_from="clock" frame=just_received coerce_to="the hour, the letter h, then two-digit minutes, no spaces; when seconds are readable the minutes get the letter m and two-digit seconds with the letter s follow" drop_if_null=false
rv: 6h53
